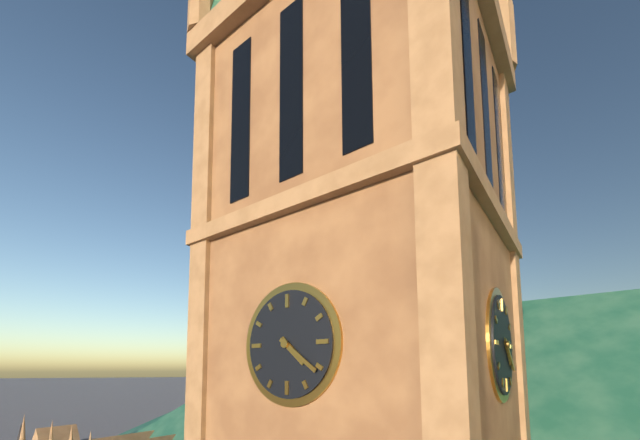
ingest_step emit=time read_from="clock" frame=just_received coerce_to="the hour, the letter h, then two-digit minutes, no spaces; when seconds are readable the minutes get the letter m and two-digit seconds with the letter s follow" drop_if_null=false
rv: 4h21
